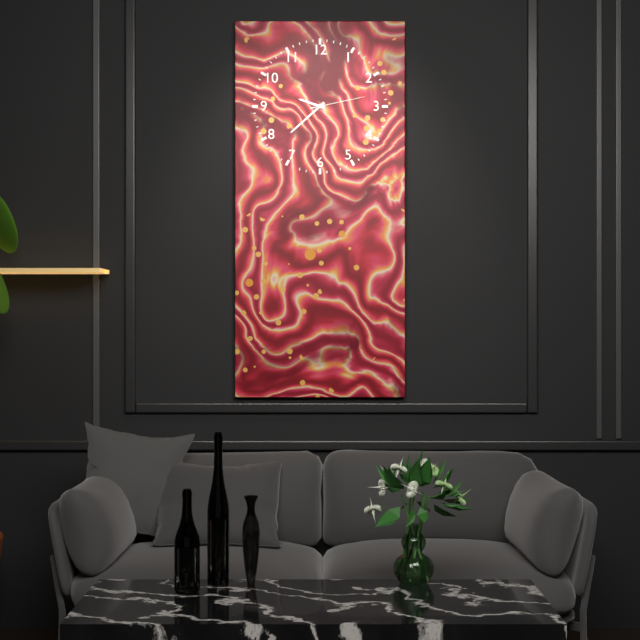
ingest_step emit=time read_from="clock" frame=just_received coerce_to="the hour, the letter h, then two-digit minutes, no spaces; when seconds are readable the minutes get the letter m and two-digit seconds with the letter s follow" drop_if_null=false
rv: 9h38m13s
